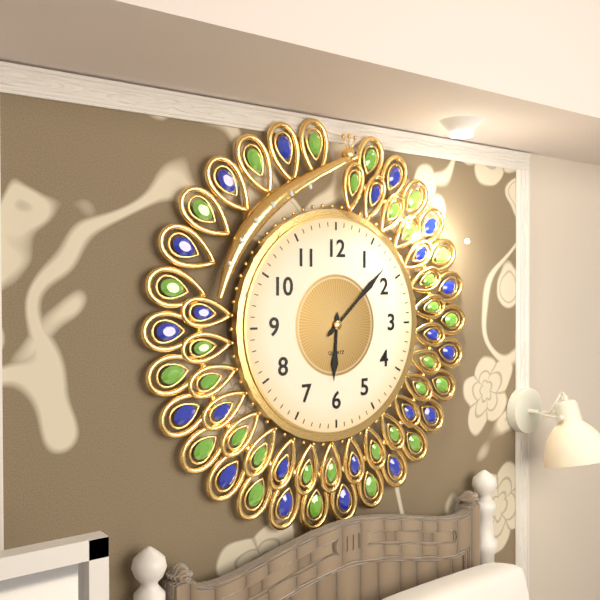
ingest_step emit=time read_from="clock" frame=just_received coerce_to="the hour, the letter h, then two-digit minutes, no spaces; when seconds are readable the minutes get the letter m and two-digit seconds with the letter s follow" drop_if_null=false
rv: 6h08
